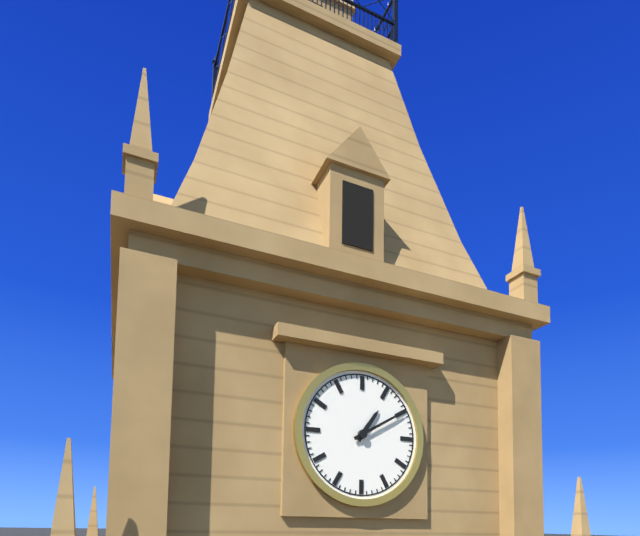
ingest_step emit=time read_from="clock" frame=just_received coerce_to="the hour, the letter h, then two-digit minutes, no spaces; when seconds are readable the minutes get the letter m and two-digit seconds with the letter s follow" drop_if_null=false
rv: 1h10
